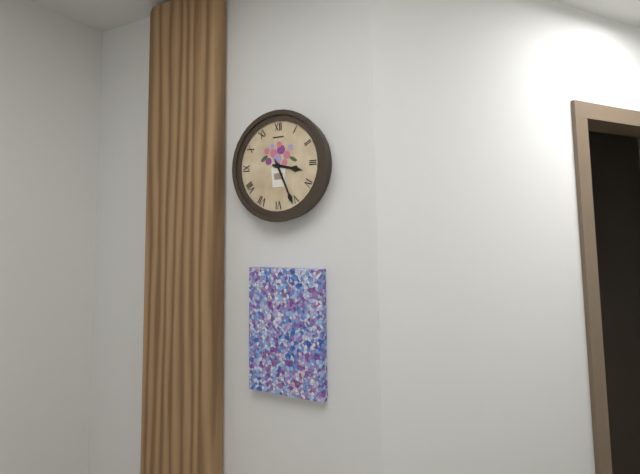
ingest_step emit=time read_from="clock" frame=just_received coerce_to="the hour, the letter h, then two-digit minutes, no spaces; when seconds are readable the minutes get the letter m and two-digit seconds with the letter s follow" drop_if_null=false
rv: 3h26
